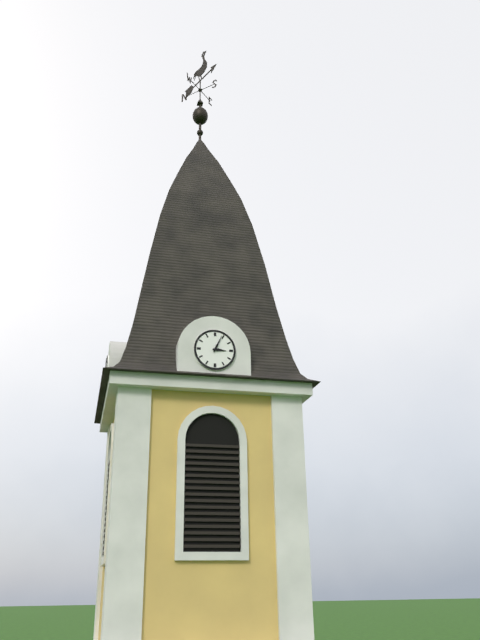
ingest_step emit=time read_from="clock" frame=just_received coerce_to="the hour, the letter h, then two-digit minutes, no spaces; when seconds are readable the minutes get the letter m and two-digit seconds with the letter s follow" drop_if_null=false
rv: 3h04
